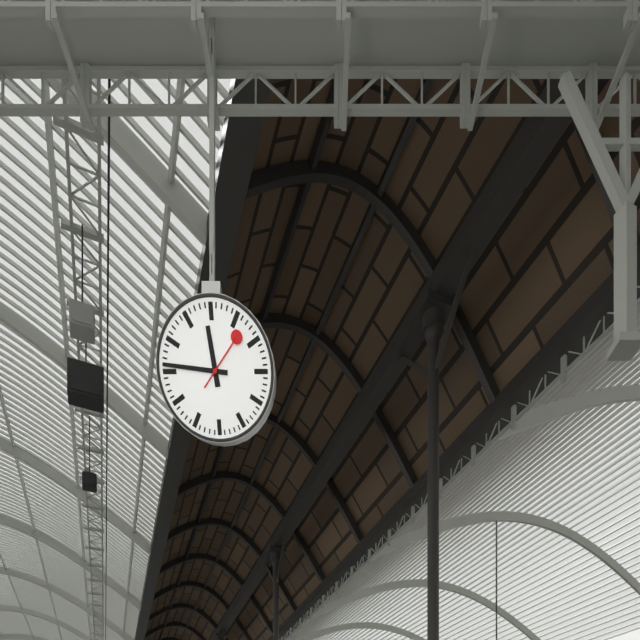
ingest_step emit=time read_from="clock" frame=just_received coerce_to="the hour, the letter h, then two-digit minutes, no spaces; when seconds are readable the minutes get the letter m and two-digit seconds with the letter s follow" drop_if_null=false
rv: 11h46m07s
